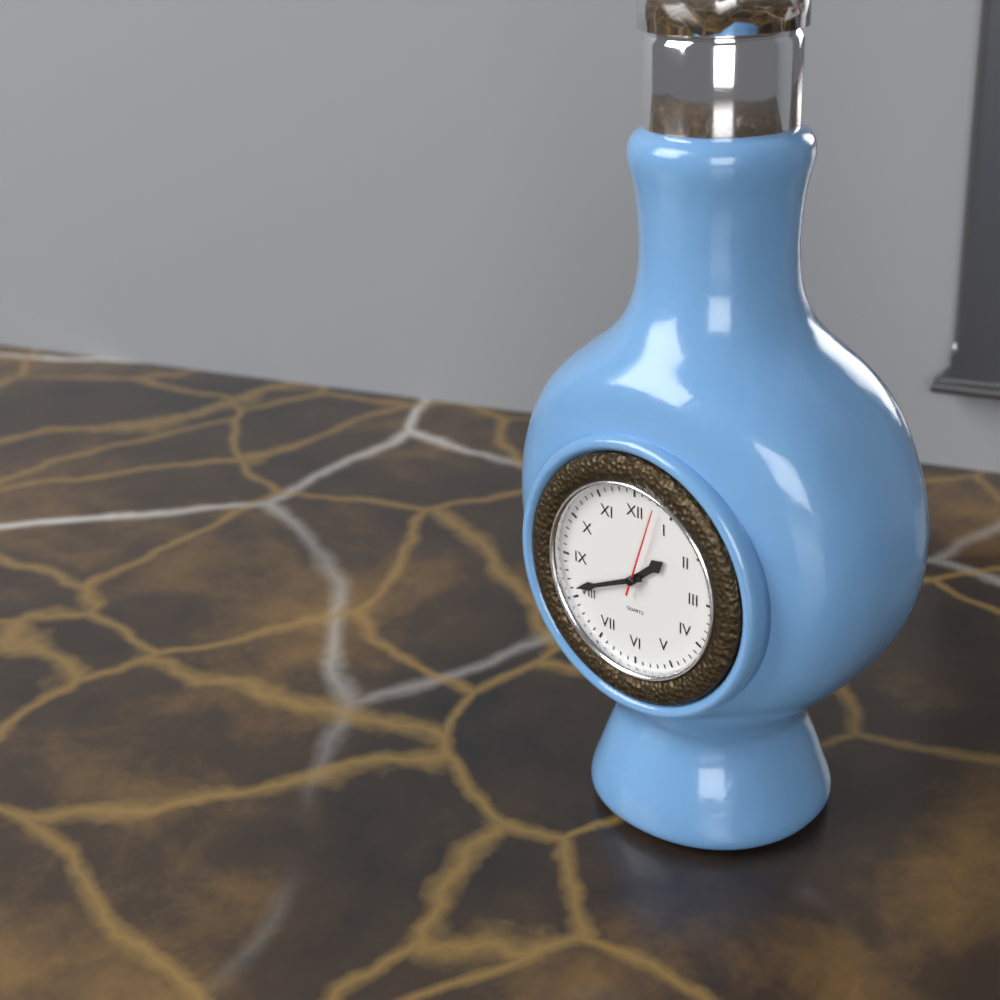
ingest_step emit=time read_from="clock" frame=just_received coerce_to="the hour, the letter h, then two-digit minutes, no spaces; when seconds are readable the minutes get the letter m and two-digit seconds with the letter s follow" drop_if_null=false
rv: 1h41m03s
